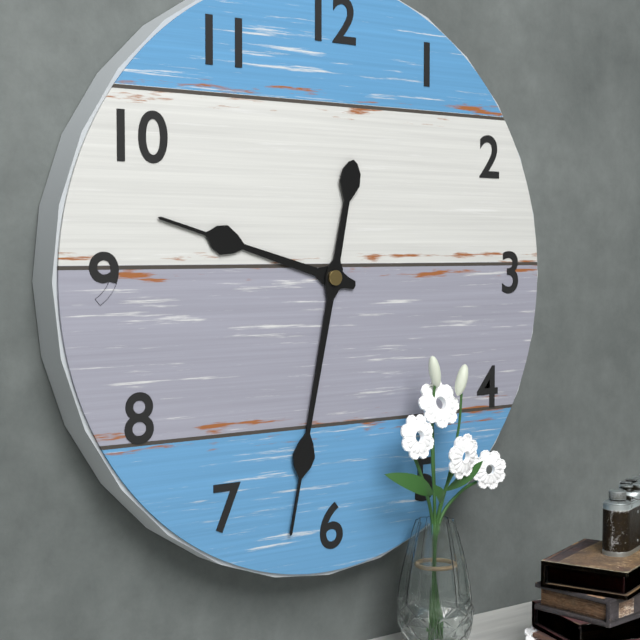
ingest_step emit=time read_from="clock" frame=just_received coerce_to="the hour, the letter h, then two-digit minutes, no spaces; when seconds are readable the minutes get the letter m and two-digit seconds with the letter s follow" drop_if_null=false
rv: 9h32
